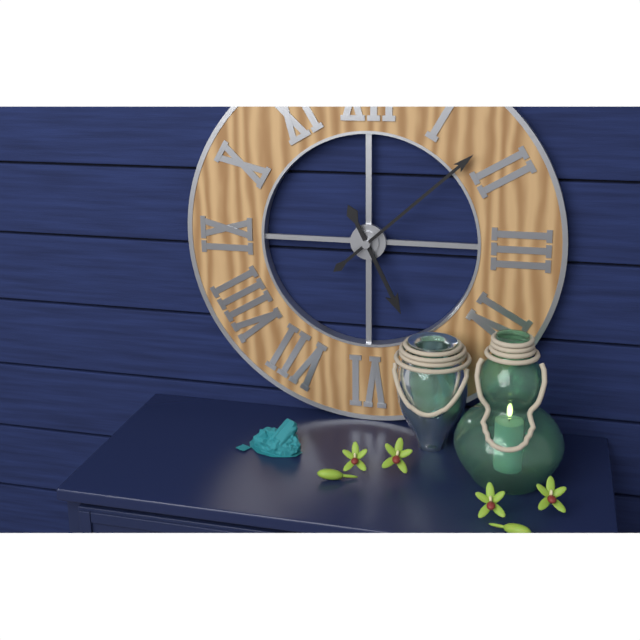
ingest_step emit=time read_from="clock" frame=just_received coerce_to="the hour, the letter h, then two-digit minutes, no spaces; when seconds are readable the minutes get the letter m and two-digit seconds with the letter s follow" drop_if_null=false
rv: 5h08
